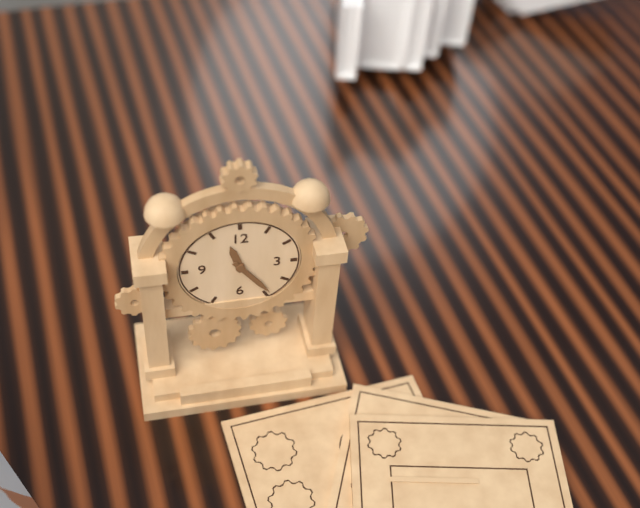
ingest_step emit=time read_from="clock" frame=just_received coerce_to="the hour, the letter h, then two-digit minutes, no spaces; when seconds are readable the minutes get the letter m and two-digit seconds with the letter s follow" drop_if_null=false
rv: 11h24
